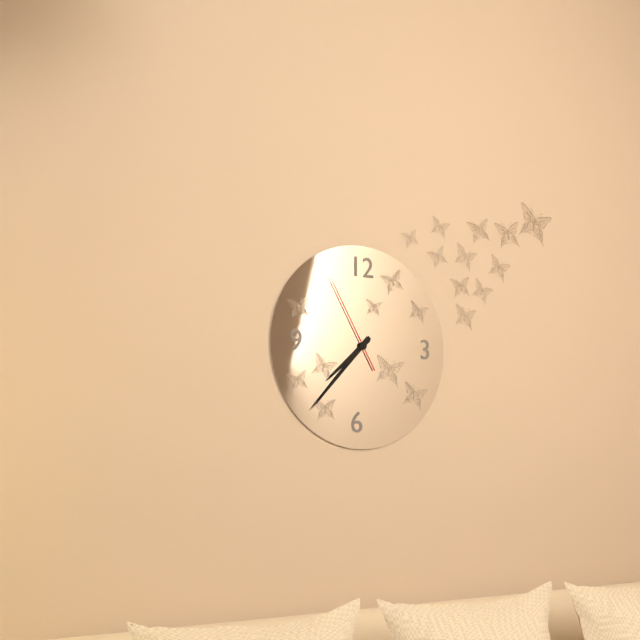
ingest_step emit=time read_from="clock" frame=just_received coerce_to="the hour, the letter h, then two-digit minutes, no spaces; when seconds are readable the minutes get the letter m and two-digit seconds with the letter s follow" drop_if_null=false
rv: 7h37m55s
